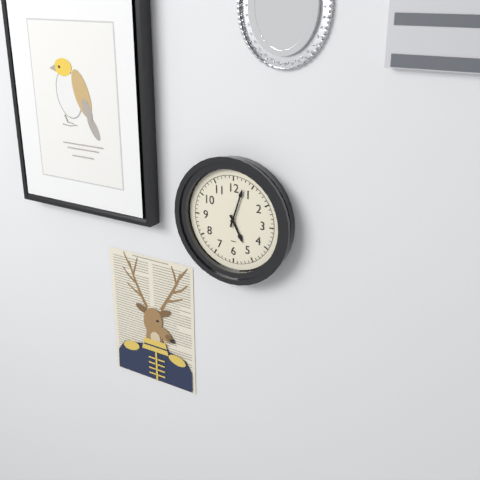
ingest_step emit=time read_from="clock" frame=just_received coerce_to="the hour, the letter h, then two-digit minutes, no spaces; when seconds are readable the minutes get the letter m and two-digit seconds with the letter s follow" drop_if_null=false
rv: 5h03
